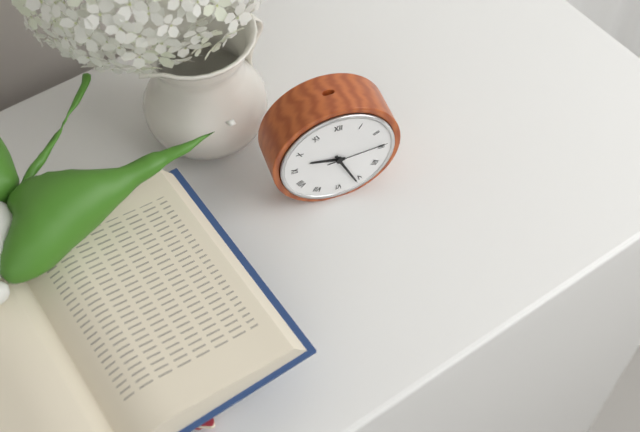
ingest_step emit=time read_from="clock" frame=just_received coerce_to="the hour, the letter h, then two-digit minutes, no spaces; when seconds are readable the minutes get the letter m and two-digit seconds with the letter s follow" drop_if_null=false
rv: 9h26m14s
